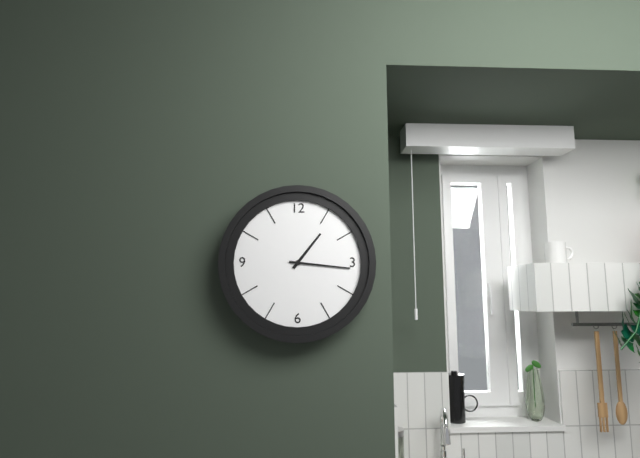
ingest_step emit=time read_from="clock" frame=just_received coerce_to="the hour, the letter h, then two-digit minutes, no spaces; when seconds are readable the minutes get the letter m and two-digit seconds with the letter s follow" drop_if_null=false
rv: 1h16
